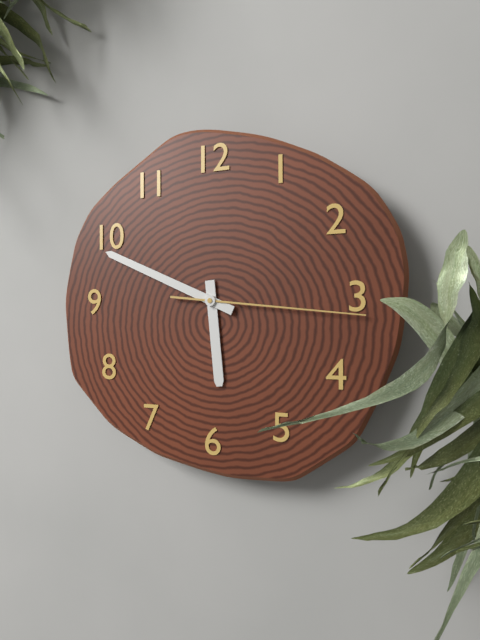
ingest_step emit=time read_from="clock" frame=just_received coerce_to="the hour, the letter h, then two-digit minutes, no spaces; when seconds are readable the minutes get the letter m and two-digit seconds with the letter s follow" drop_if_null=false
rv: 5h49m16s
